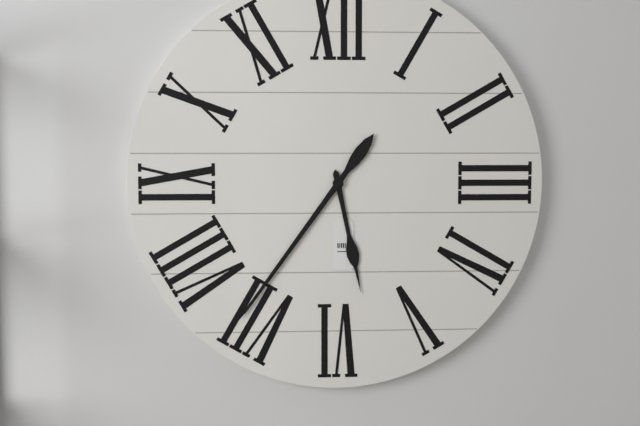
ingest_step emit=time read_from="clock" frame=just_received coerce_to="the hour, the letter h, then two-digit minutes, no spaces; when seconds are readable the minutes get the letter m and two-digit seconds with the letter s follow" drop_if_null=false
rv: 5h36
